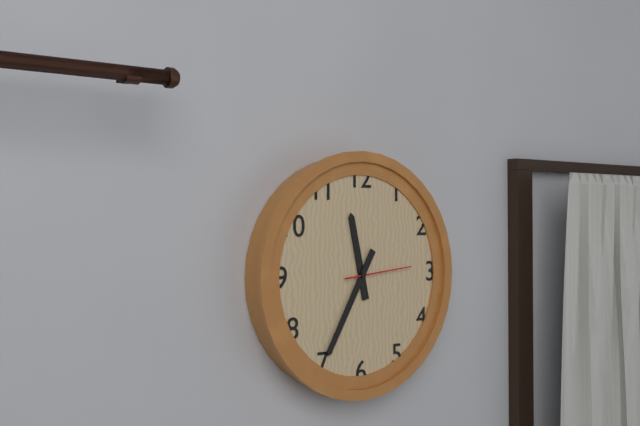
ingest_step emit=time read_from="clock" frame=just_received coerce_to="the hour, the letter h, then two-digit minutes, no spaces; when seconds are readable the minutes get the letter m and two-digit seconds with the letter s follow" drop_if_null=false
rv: 11h35m14s
